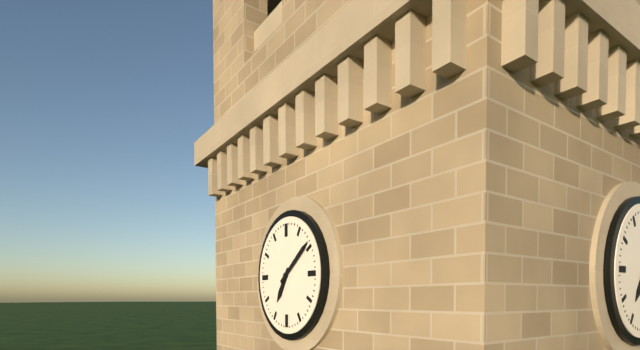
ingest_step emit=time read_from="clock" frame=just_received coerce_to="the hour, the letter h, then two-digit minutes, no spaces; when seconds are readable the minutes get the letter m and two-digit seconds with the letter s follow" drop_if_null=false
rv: 7h09
